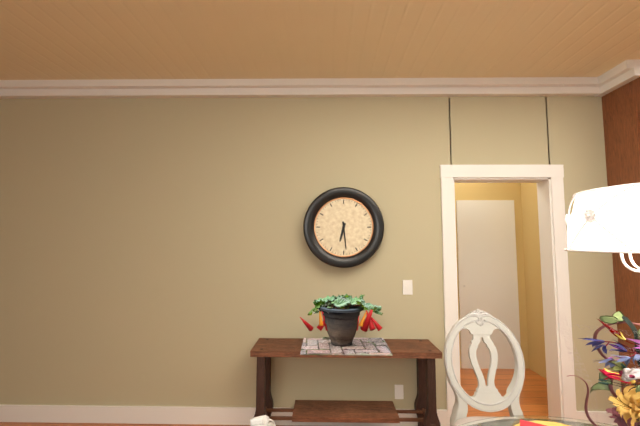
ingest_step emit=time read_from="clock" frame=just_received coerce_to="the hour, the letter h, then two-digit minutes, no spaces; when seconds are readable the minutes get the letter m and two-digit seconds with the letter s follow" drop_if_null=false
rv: 6h29
